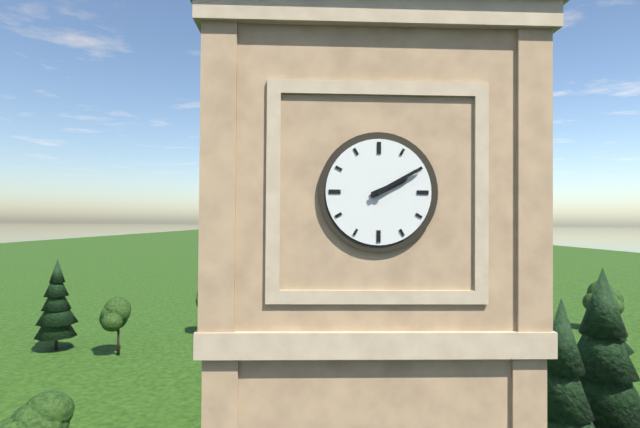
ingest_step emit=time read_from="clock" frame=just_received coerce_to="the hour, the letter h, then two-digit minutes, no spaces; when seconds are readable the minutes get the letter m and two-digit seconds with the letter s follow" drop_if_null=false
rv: 2h10
